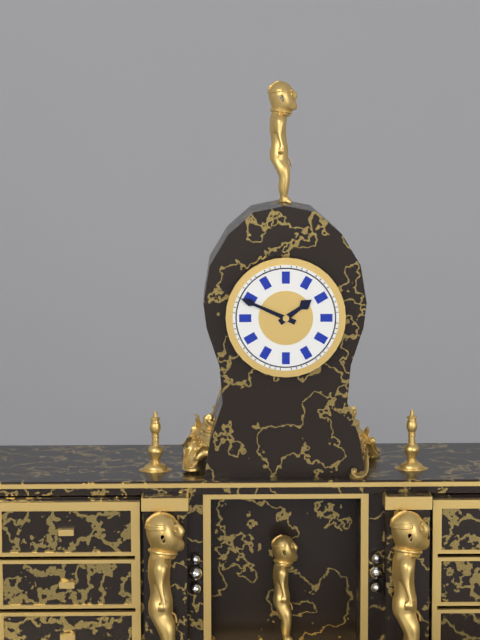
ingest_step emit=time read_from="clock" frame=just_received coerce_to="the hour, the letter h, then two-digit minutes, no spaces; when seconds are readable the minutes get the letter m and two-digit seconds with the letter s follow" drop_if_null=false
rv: 1h49
